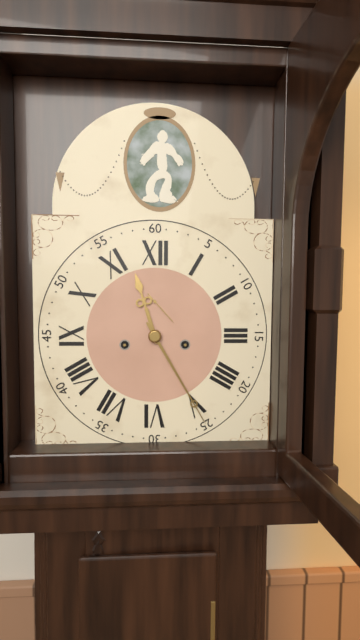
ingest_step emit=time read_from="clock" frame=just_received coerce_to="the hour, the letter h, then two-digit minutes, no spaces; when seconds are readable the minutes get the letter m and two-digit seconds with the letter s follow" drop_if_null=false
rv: 11h25
